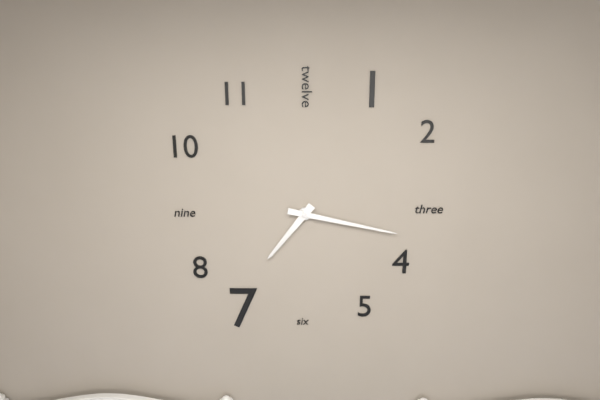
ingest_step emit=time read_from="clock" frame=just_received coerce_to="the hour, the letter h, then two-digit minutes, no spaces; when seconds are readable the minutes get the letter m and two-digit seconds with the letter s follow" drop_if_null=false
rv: 7h17
